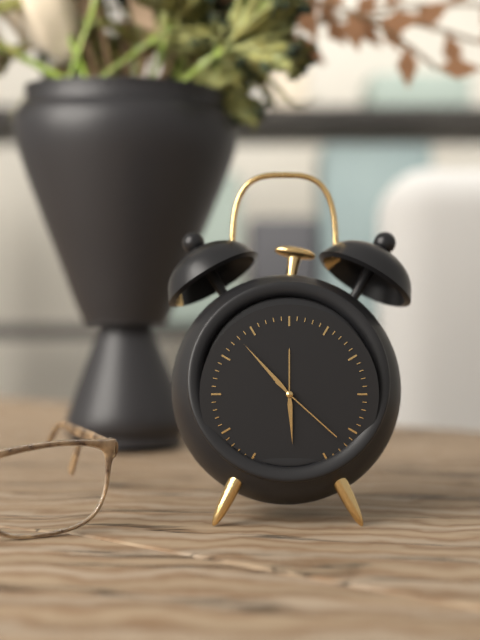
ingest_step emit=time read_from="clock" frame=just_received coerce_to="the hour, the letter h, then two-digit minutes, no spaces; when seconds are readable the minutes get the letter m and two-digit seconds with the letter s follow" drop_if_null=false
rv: 5h53m22s
